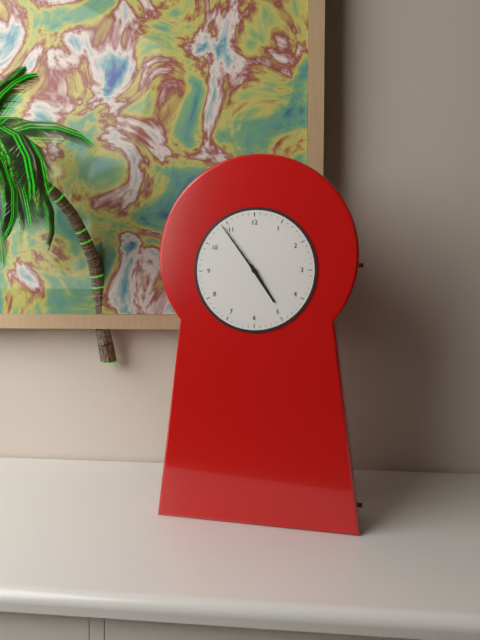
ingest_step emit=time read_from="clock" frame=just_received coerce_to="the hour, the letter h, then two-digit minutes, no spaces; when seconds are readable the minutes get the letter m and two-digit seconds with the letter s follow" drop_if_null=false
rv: 4h54
